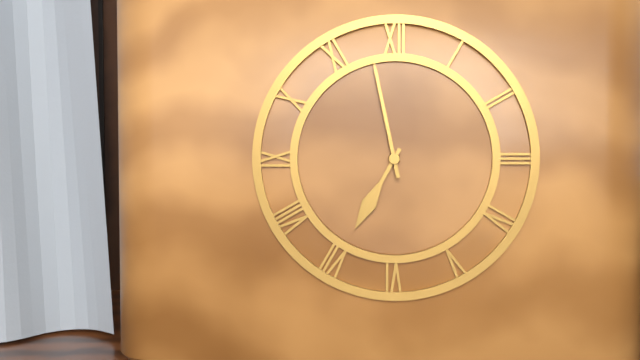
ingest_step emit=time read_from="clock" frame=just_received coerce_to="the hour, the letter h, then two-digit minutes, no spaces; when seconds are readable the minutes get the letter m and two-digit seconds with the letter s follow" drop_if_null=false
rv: 6h58
